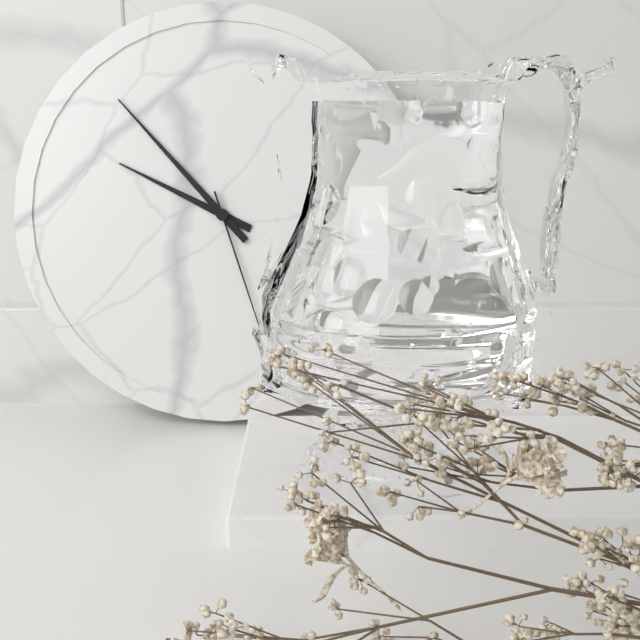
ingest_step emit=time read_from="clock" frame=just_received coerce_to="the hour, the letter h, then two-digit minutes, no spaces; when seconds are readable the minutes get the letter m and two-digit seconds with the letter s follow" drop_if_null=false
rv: 9h53m27s
